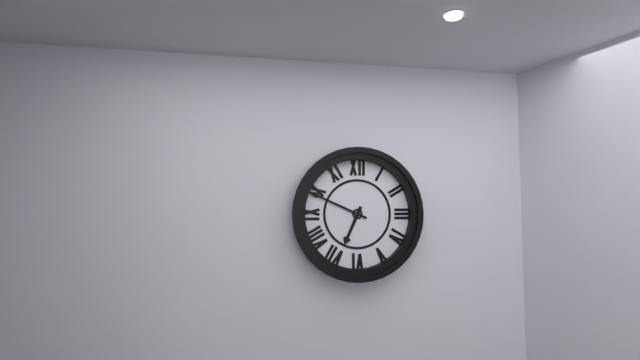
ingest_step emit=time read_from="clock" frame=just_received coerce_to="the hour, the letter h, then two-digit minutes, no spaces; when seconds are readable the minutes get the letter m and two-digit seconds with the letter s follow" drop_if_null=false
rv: 6h49
